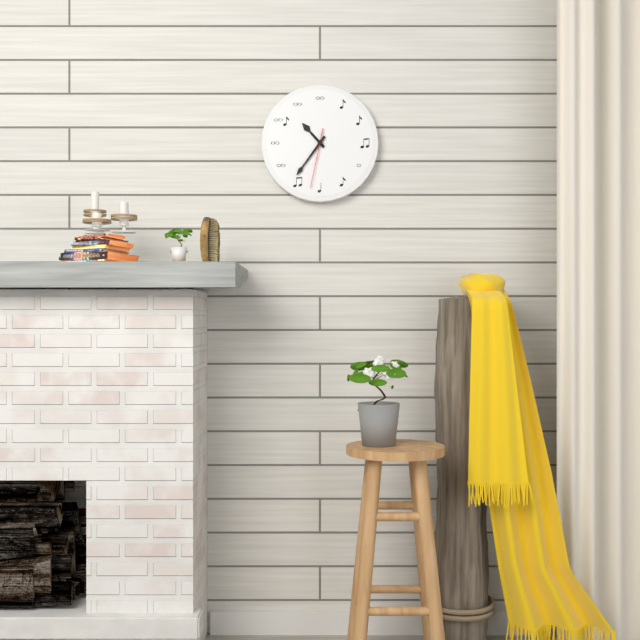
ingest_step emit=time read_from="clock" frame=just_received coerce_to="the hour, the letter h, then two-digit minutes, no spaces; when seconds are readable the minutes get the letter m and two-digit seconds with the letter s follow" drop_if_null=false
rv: 10h36m32s
